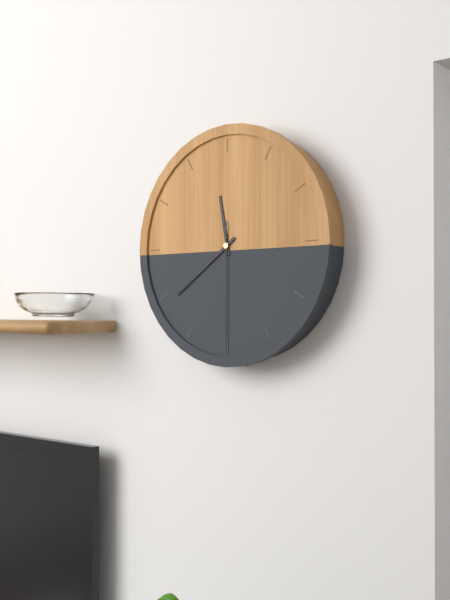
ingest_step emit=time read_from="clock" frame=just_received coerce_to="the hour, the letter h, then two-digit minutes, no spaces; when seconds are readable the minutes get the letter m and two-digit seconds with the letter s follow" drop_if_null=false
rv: 11h39m30s
